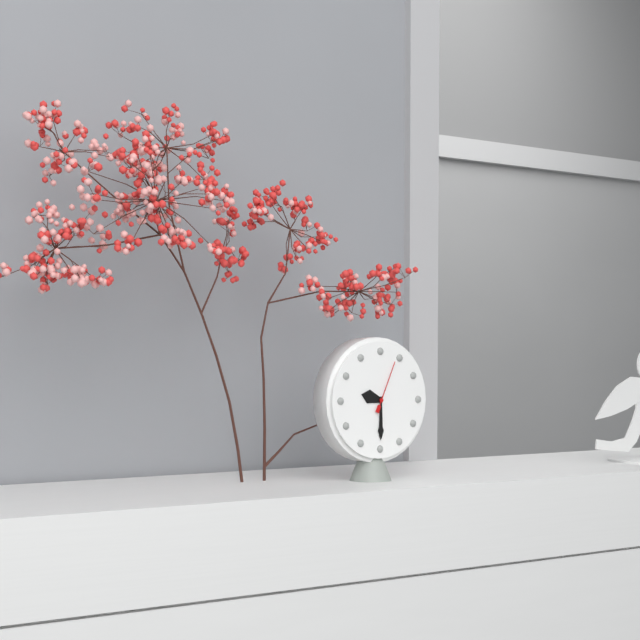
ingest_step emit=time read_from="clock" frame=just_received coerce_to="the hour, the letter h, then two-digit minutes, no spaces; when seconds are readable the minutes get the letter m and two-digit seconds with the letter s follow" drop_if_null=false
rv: 9h30m04s
